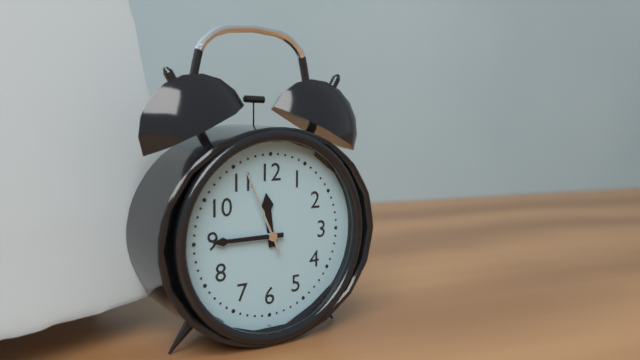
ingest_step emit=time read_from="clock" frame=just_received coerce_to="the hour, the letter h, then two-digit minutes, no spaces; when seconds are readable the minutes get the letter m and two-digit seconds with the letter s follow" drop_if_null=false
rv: 11h45m56s
